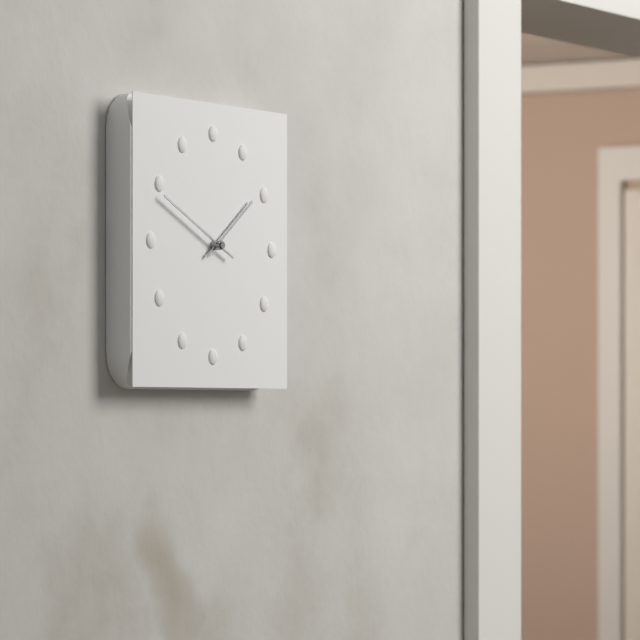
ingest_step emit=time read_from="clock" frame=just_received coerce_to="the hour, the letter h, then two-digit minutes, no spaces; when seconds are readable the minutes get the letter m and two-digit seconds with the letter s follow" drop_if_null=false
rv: 1h49
